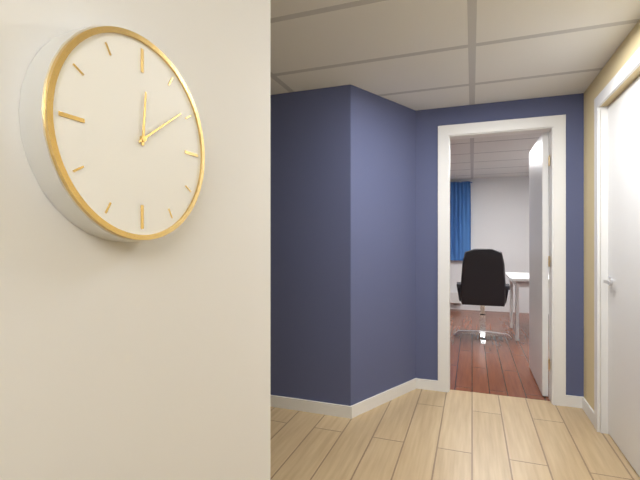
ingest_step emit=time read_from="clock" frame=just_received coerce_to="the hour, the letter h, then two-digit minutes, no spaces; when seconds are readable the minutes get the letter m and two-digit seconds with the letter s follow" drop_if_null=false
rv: 12h09
